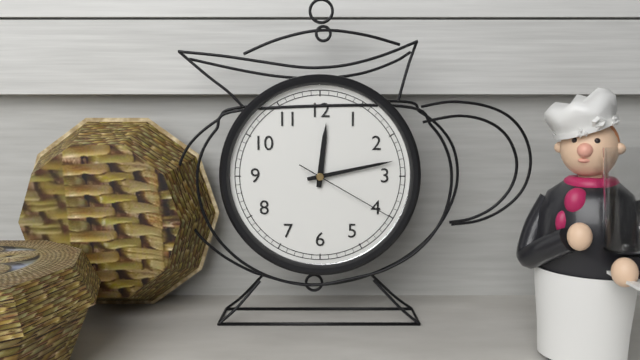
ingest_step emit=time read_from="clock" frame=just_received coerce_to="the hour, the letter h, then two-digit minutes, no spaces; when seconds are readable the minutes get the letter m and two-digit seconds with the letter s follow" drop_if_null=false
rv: 12h13m20s
